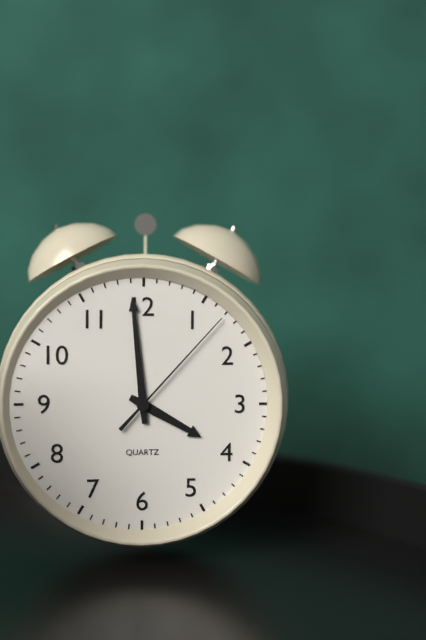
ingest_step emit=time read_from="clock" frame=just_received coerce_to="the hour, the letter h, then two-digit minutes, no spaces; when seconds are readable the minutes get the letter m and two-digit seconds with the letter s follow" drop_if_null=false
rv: 3h59m07s
